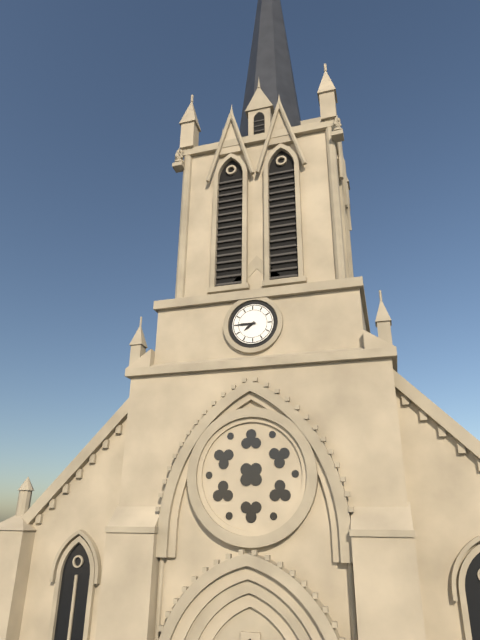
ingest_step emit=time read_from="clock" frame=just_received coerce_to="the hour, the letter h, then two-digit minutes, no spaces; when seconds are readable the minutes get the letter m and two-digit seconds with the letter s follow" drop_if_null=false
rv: 7h45
